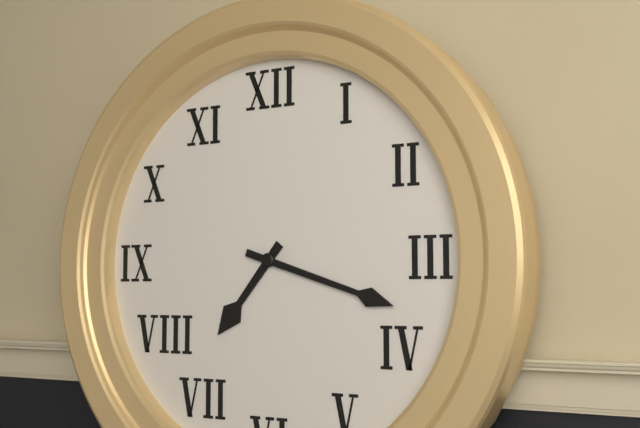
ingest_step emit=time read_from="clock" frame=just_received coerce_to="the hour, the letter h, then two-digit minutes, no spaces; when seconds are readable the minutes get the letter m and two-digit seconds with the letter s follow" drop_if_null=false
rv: 7h18
